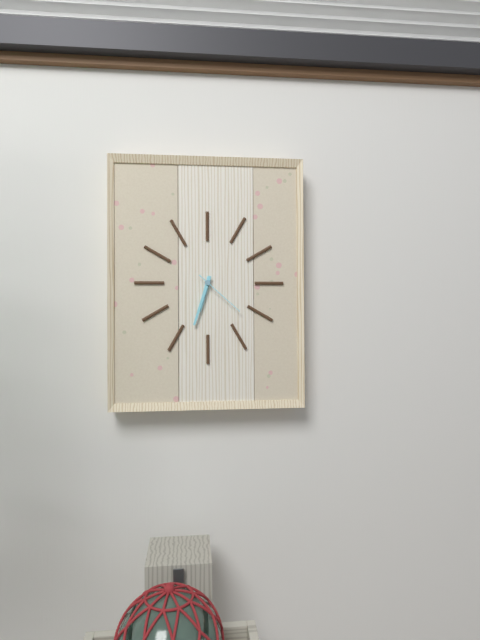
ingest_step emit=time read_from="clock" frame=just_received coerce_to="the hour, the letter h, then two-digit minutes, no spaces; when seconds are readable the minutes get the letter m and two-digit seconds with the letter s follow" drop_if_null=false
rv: 6h33m22s
